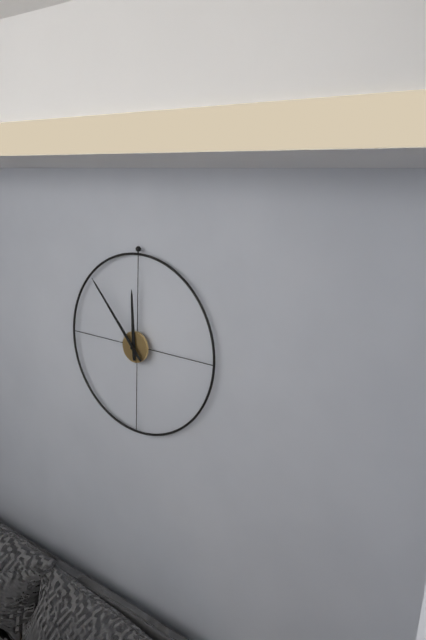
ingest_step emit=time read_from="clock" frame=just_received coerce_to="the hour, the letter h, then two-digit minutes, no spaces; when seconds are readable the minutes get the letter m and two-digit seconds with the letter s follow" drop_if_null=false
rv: 11h53
